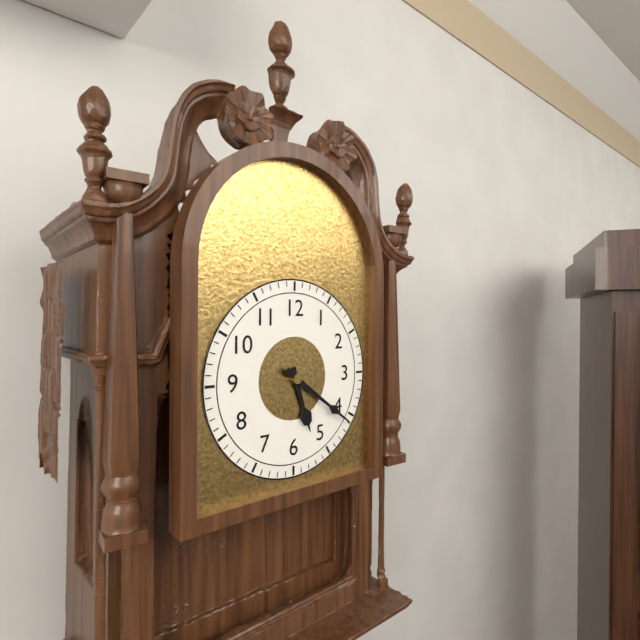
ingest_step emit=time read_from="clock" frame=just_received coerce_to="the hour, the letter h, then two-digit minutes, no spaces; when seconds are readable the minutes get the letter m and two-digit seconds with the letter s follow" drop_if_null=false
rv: 5h21
